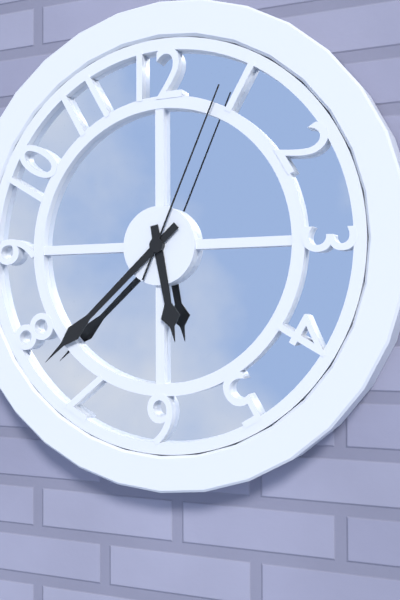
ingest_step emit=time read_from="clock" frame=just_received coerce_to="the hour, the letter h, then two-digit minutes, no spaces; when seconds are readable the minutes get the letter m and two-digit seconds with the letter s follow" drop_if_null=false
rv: 5h38m04s
